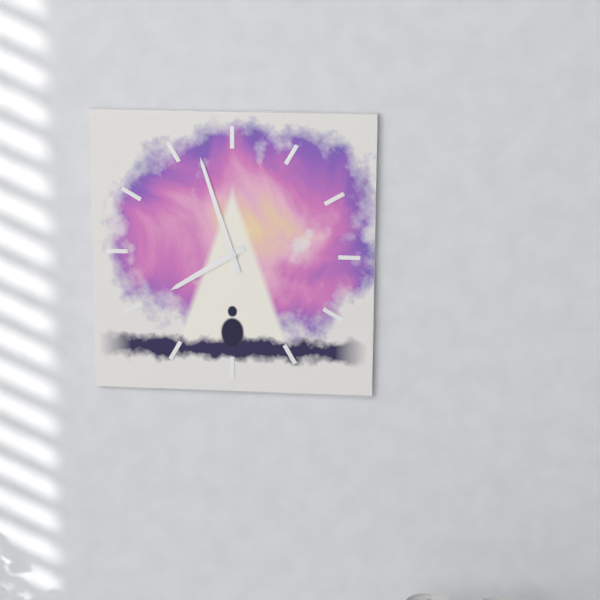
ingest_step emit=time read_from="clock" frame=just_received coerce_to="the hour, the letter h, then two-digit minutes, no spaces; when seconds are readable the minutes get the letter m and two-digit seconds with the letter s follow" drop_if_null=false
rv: 7h57
